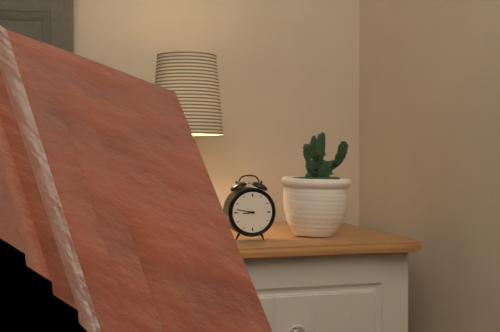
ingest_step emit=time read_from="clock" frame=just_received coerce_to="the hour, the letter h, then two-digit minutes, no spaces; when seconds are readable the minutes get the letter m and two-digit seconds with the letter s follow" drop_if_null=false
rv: 8h47
